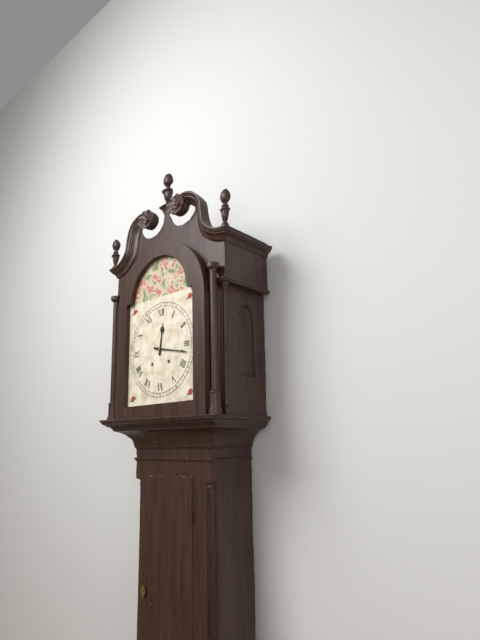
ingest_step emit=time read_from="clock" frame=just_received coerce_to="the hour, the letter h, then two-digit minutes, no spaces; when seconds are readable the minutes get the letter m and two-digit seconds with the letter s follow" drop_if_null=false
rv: 12h17
